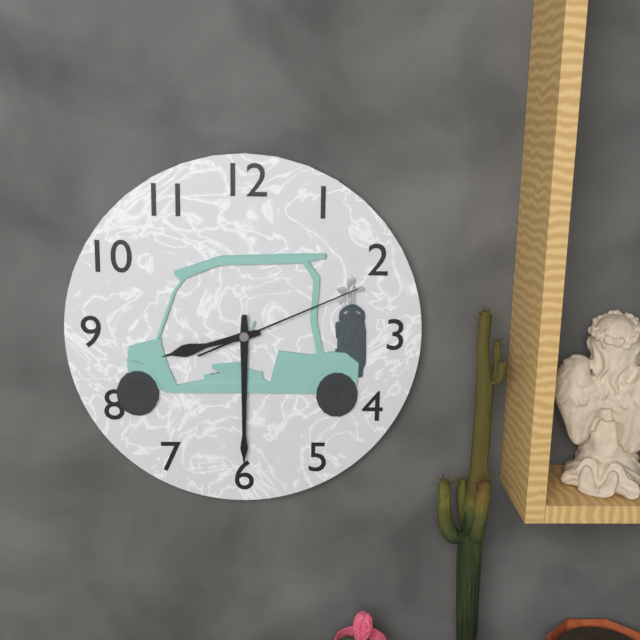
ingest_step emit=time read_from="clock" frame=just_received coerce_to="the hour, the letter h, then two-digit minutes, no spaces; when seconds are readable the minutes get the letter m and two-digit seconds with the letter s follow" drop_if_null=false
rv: 8h30m11s
